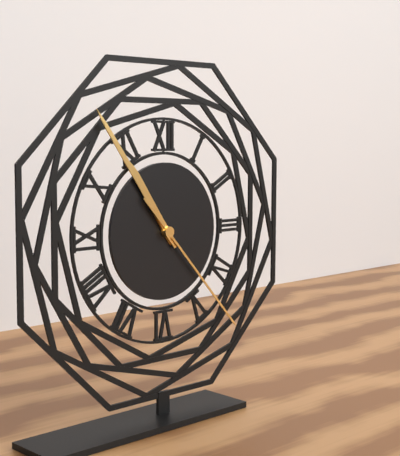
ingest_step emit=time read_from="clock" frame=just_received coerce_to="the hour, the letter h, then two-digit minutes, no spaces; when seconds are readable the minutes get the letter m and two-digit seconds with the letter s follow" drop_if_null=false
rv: 10h54m23s
